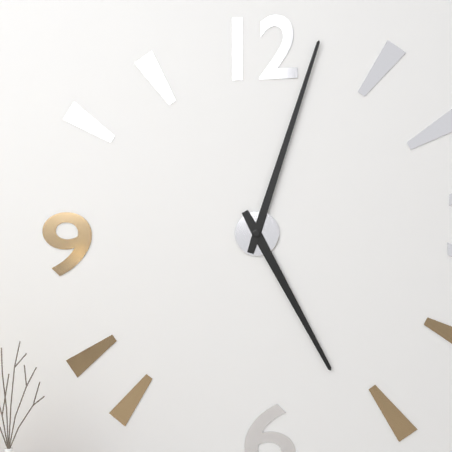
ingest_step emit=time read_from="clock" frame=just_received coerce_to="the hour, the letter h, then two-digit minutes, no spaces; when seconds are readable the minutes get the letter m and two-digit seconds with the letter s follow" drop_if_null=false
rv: 5h03
